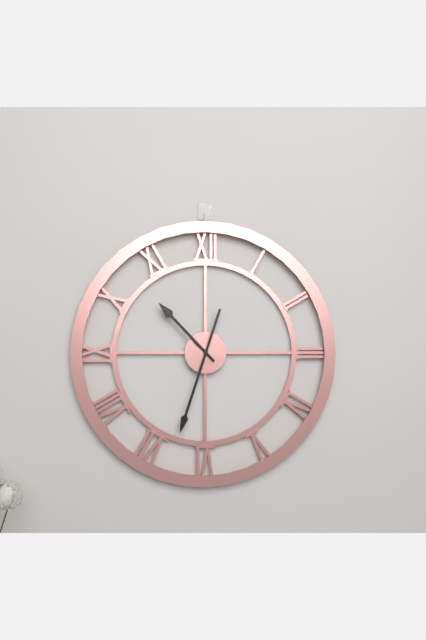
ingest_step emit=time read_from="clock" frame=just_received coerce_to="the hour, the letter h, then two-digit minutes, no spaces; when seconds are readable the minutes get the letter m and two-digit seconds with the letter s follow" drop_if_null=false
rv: 10h33
